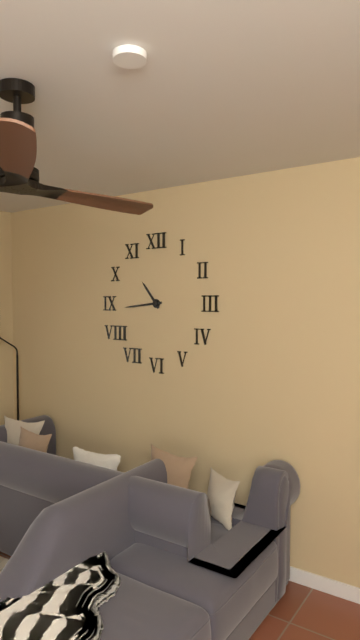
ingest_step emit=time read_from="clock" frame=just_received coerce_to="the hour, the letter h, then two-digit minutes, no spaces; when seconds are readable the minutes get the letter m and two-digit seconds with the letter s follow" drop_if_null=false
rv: 10h44
